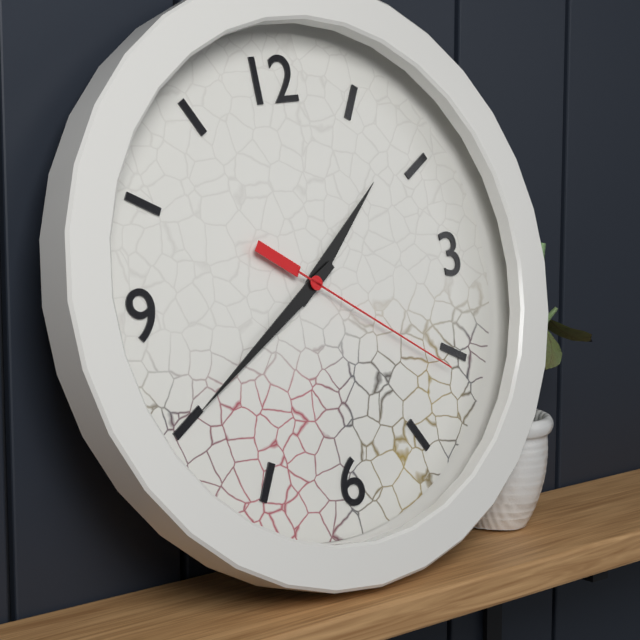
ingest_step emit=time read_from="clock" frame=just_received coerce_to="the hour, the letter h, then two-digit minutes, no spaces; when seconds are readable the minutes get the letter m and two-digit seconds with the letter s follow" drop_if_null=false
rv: 1h40m21s
